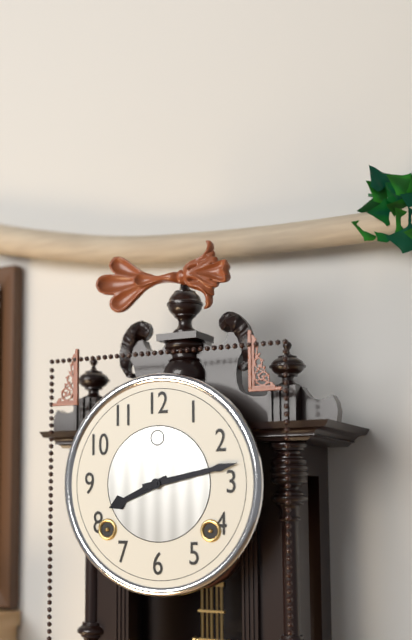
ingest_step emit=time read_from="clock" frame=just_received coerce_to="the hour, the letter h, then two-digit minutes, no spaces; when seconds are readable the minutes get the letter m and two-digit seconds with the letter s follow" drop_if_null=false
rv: 8h13
